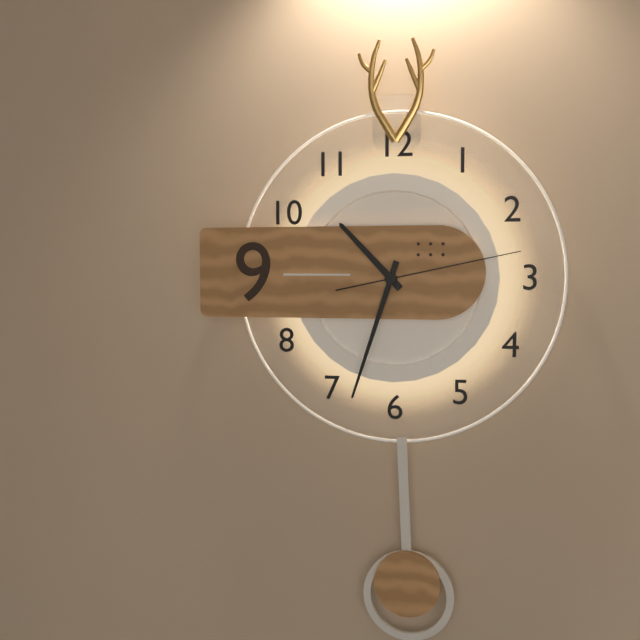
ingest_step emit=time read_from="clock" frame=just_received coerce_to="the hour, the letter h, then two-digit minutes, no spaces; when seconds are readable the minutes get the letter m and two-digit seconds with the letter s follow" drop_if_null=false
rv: 10h33m13s
